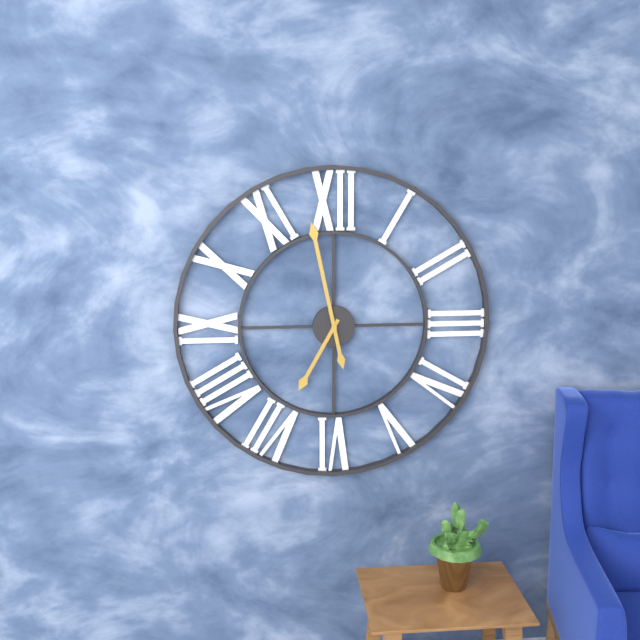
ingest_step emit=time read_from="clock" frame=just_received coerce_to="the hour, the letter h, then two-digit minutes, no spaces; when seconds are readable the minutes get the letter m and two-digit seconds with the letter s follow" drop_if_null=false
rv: 6h58
